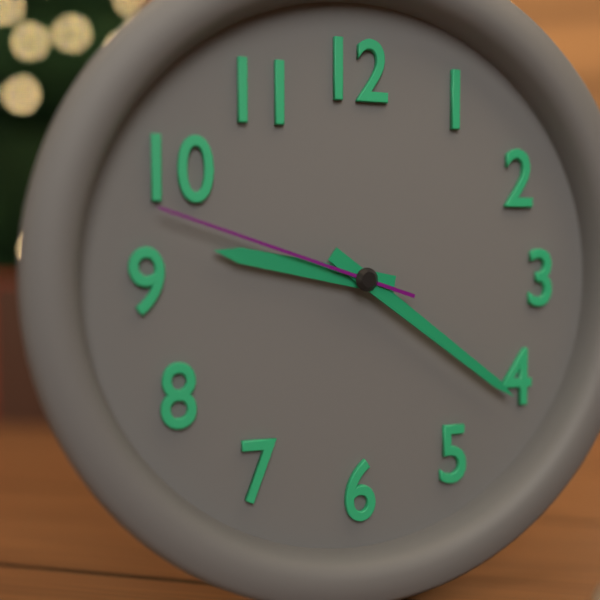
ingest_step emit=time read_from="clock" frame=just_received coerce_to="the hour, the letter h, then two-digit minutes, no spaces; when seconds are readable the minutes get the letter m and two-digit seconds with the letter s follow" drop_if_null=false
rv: 9h21m48s
